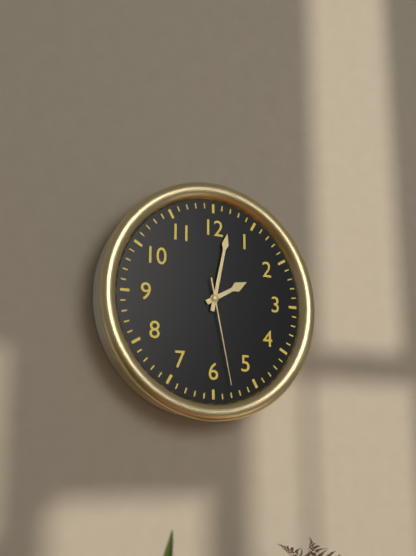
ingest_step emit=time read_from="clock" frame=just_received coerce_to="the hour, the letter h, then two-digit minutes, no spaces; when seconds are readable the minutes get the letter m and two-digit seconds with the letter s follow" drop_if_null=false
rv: 2h02m28s
